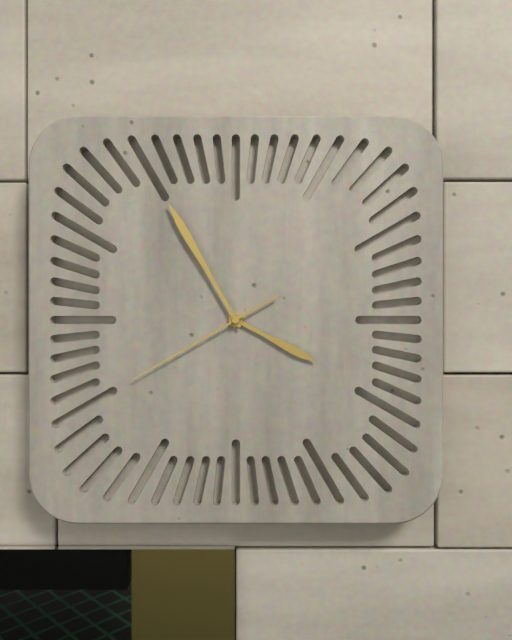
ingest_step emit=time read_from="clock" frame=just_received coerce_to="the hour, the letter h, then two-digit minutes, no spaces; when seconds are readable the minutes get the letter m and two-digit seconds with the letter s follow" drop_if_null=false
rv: 3h55m40s
